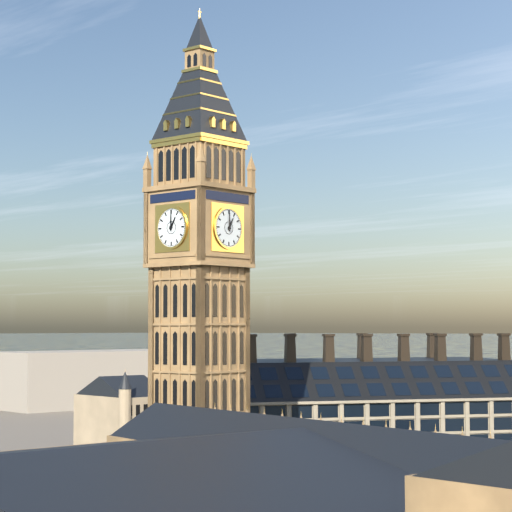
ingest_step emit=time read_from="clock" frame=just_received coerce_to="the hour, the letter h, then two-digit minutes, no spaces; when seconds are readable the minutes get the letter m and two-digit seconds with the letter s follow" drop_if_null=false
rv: 1h00
